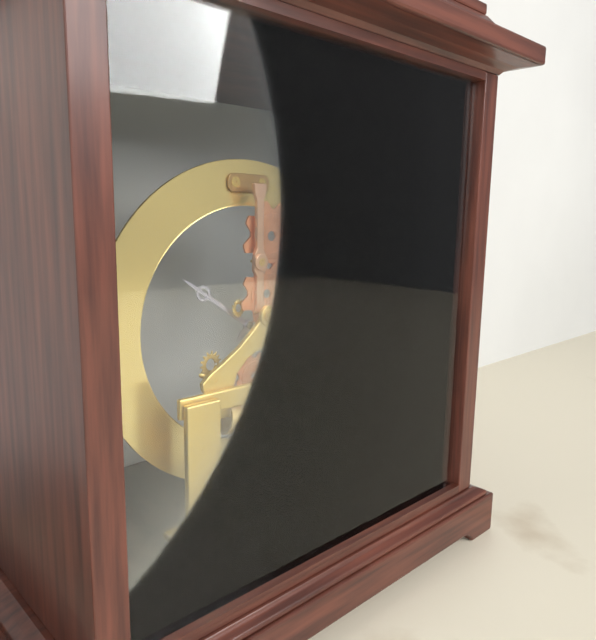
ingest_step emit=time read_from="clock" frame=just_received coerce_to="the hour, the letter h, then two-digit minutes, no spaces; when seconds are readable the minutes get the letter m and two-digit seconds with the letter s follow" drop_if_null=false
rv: 10h08
